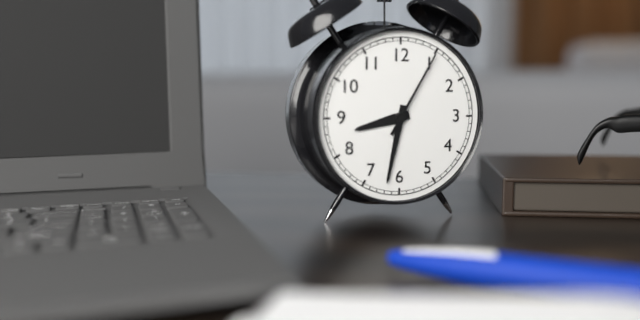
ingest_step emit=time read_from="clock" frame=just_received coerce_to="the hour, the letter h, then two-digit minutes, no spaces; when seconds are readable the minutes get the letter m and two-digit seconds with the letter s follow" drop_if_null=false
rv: 8h32m05s
